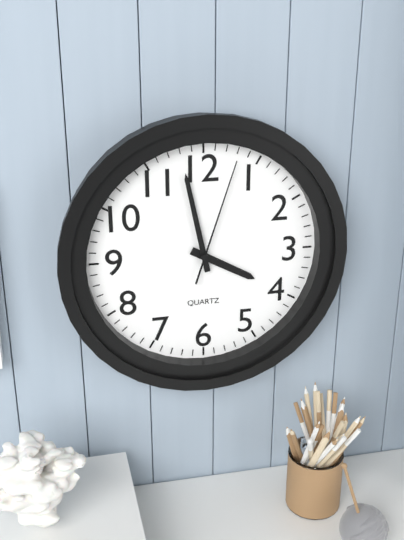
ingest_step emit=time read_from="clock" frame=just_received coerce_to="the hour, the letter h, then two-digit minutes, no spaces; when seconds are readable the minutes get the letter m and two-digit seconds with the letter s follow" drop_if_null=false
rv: 3h58m03s
